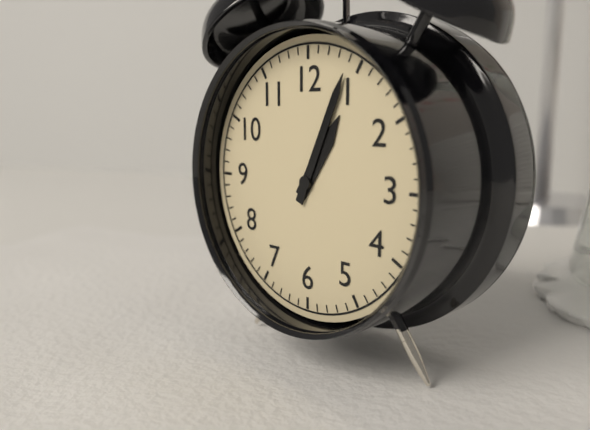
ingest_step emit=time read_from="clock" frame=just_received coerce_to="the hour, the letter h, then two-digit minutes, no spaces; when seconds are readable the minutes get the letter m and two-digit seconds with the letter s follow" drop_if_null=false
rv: 1h04
